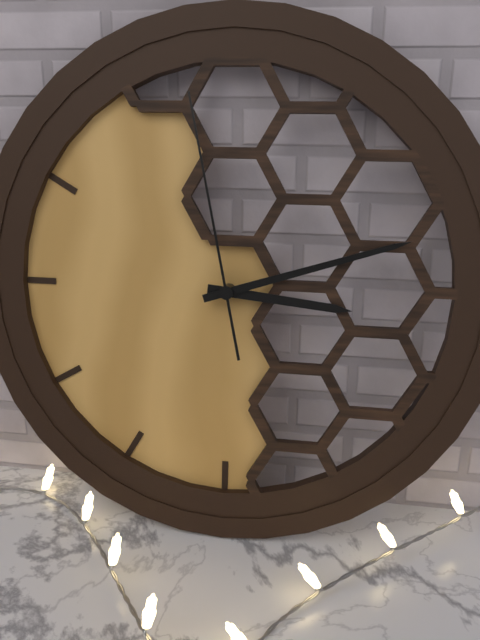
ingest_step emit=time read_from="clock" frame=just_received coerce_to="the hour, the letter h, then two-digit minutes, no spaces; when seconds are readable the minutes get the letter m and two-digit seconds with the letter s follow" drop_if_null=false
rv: 3h12m58s
